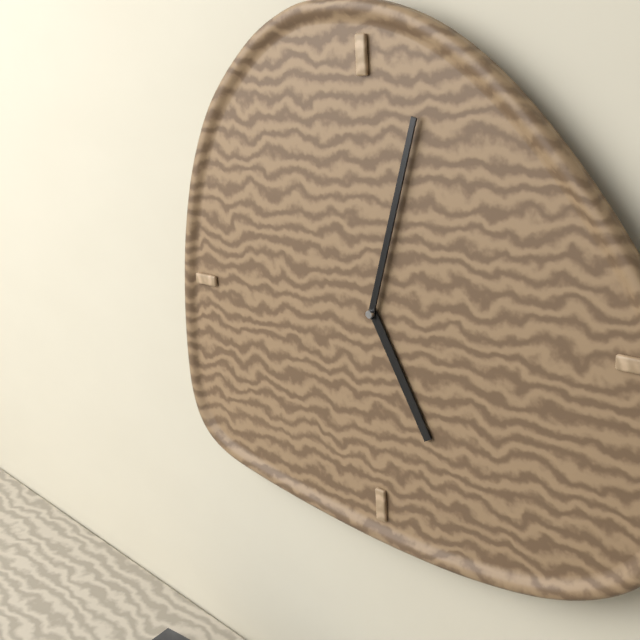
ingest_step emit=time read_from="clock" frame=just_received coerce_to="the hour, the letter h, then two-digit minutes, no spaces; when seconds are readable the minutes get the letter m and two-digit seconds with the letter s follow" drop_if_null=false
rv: 5h03
